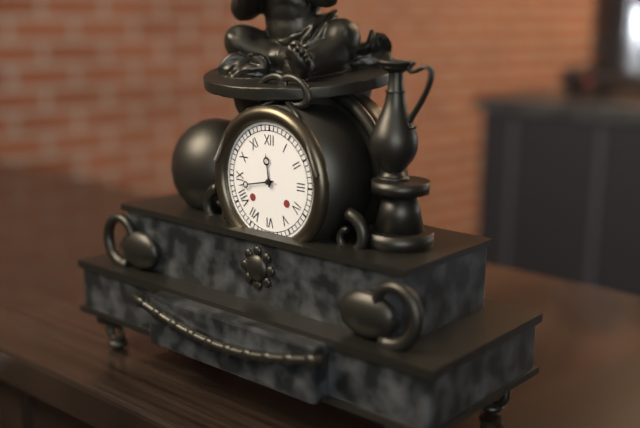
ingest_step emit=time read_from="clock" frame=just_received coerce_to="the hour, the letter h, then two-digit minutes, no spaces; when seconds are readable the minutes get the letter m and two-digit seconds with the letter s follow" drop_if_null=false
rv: 11h43
